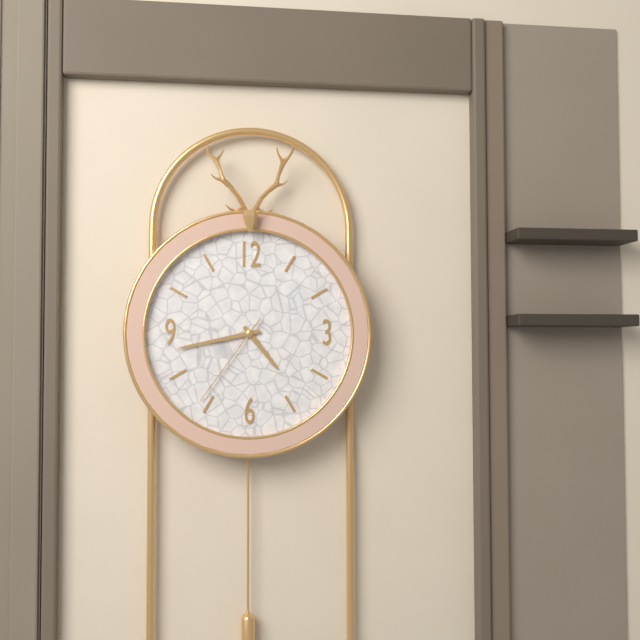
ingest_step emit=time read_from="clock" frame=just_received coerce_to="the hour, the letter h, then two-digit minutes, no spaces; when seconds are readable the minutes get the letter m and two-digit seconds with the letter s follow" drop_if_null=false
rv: 4h43m36s
